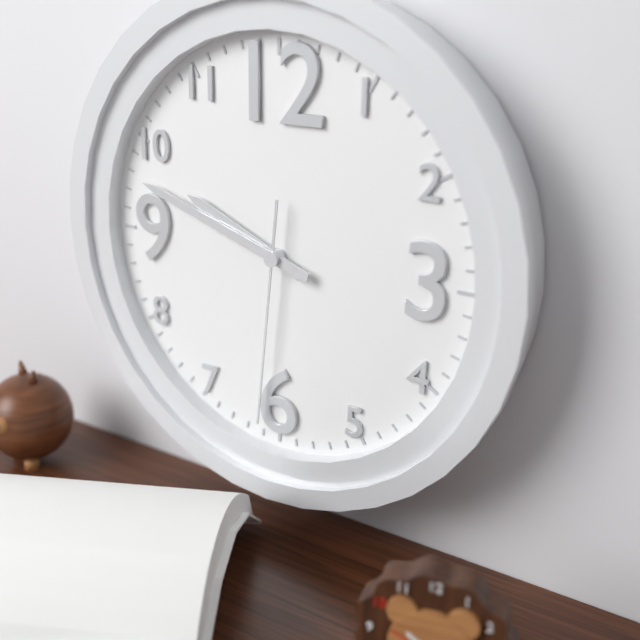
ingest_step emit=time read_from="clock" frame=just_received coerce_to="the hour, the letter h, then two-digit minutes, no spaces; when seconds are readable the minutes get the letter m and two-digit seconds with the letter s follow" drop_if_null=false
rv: 9h48m31s
